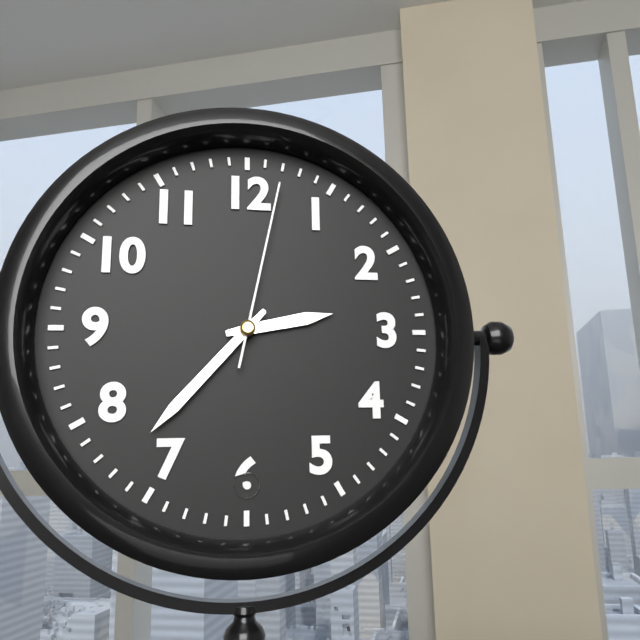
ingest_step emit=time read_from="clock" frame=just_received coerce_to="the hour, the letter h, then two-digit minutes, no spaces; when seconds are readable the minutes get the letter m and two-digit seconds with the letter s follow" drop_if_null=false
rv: 2h37m02s
